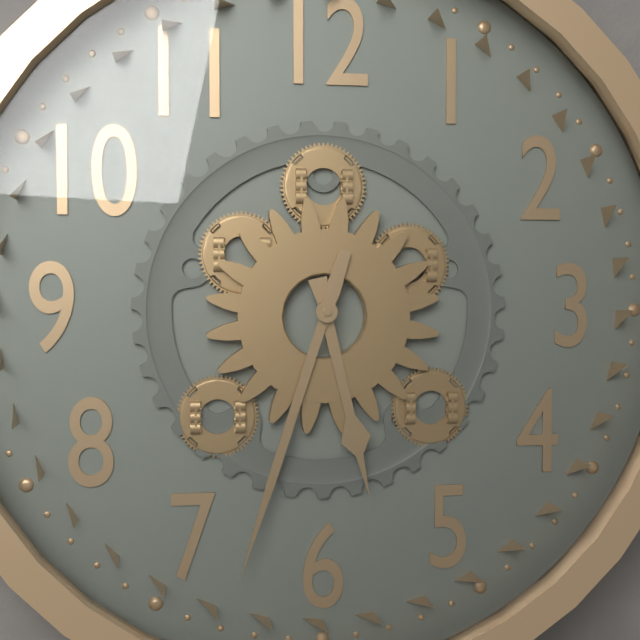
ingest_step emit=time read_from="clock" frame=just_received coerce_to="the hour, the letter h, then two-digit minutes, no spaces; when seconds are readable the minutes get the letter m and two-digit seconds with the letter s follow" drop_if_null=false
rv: 5h33
